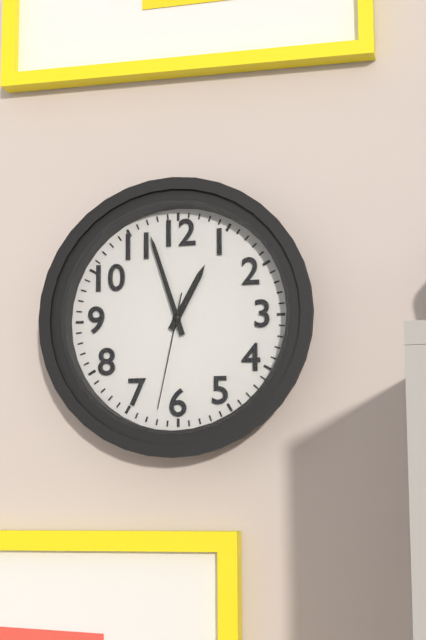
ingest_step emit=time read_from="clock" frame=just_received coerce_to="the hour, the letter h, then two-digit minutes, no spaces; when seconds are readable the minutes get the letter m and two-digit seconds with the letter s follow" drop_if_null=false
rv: 12h57m32s
